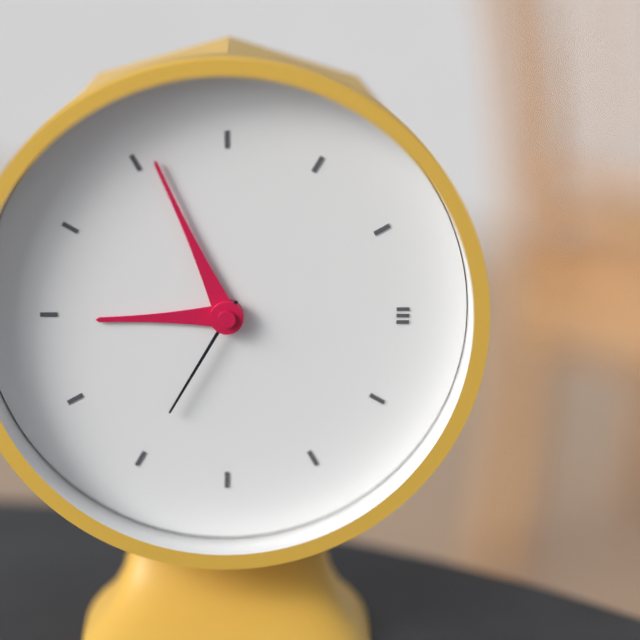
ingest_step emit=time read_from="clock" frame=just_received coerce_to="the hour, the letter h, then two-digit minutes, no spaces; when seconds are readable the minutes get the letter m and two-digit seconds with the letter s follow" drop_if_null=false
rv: 8h56m35s
